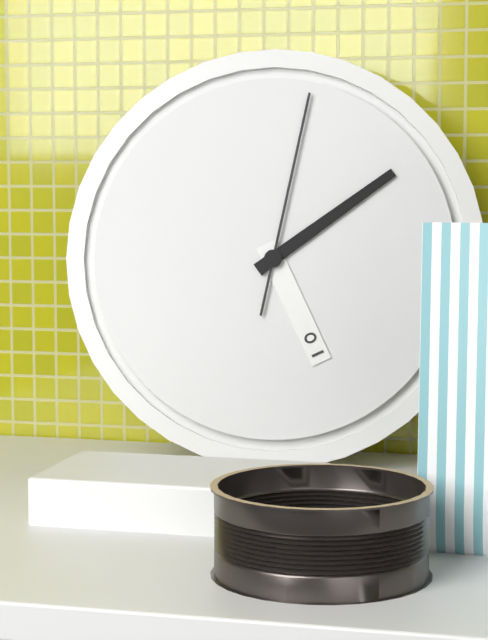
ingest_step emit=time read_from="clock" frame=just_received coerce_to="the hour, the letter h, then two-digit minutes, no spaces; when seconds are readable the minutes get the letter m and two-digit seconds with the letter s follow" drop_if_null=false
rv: 5h09m02s
